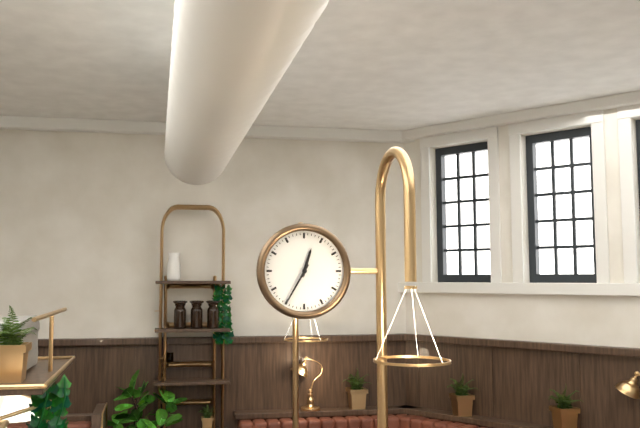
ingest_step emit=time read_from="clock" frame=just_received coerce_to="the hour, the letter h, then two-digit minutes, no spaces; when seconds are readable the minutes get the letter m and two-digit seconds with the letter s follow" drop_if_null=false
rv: 12h35
